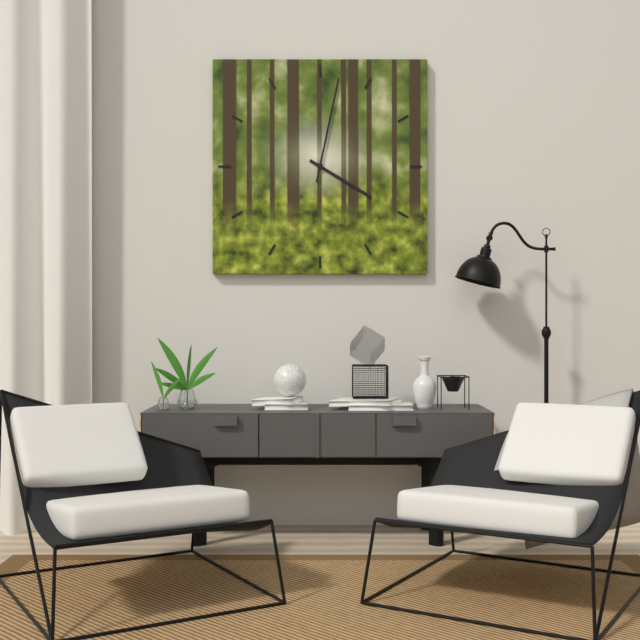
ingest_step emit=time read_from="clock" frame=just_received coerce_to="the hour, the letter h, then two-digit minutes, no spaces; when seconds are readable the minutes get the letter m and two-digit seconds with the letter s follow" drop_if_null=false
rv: 4h02
